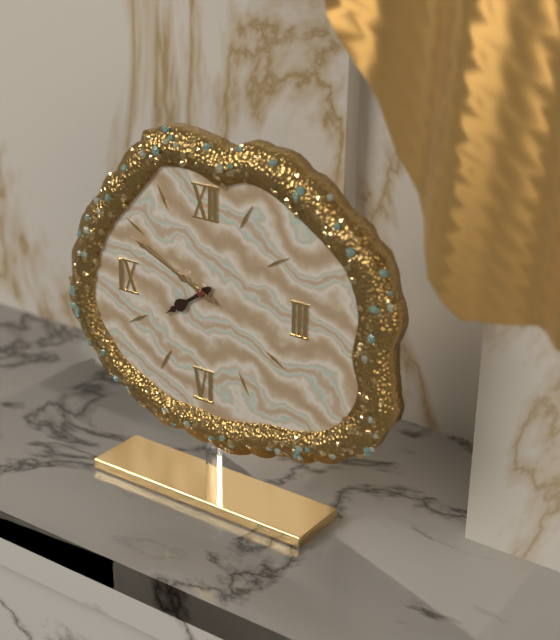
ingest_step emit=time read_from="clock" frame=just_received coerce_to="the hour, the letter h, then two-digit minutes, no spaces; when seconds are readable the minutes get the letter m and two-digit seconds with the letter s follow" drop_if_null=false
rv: 7h49
